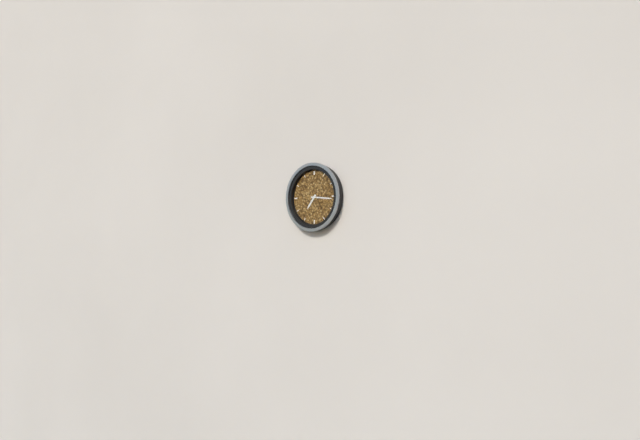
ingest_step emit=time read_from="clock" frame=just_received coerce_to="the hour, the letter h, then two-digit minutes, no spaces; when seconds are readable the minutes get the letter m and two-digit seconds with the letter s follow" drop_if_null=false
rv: 7h16
